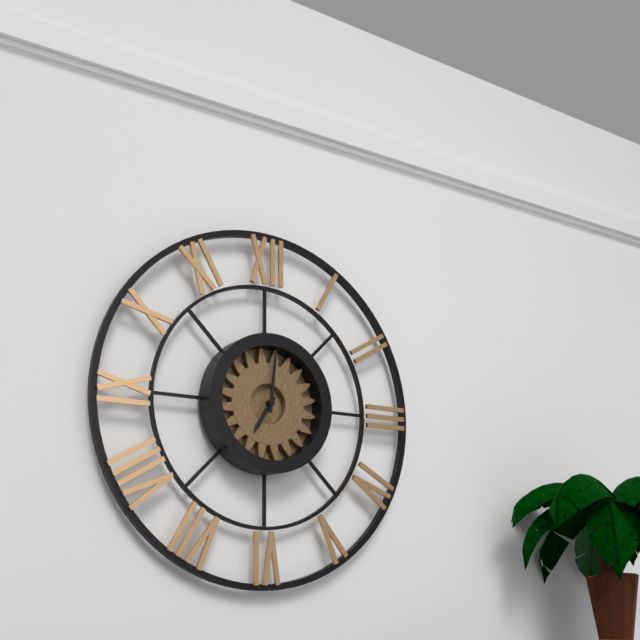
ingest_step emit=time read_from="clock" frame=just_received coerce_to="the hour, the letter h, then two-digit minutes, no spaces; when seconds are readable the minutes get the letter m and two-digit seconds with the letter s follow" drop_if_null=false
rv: 7h01
